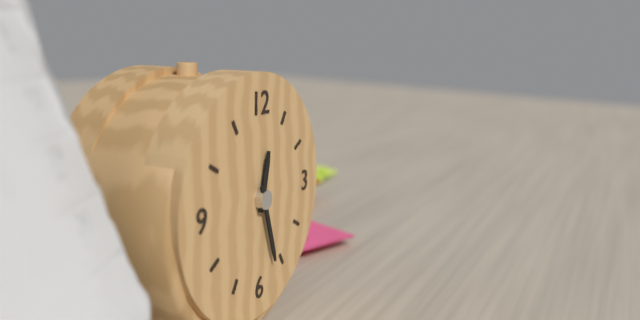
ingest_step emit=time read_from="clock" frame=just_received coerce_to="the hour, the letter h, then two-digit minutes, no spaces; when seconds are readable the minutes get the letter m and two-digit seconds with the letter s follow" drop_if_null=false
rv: 12h27
